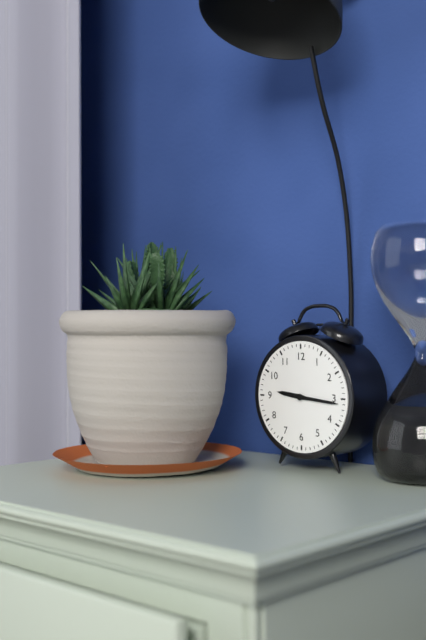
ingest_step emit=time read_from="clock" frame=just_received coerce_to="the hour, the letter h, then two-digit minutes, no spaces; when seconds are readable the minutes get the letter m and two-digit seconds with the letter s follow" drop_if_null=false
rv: 9h16
